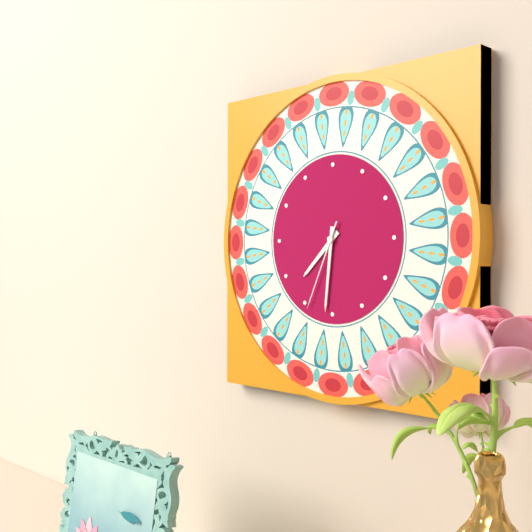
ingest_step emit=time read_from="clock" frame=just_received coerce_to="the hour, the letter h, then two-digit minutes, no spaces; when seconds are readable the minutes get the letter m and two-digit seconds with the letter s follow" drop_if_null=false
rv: 7h31m34s
